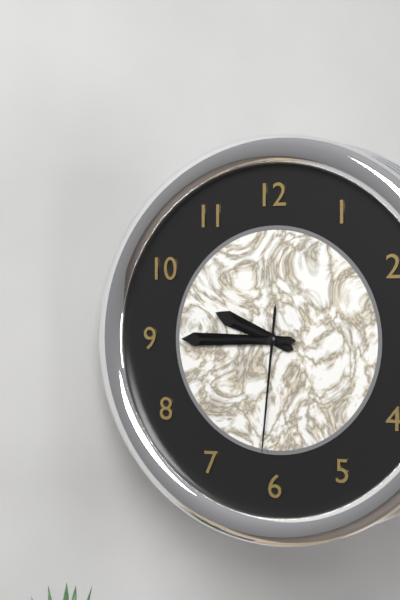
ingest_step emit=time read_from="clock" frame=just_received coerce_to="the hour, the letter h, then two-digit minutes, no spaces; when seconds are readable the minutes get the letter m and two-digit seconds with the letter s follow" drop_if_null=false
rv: 9h45m31s
